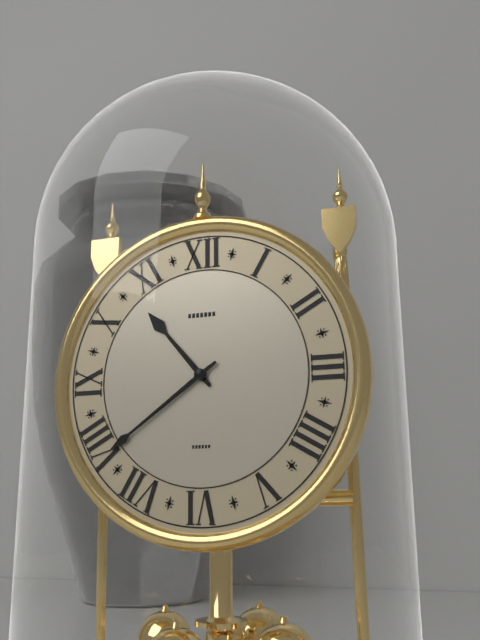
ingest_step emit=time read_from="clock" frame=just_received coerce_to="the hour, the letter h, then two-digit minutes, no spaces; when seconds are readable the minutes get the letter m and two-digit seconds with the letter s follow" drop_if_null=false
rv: 10h39
